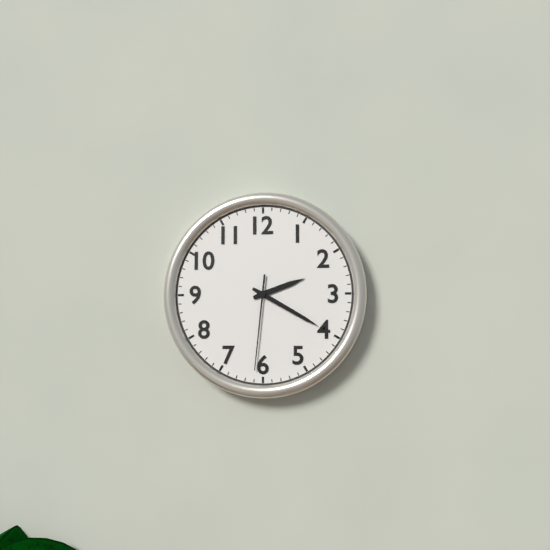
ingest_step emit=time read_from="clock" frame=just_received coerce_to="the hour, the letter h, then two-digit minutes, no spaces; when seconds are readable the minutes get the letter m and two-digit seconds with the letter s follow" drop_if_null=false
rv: 2h20m31s
